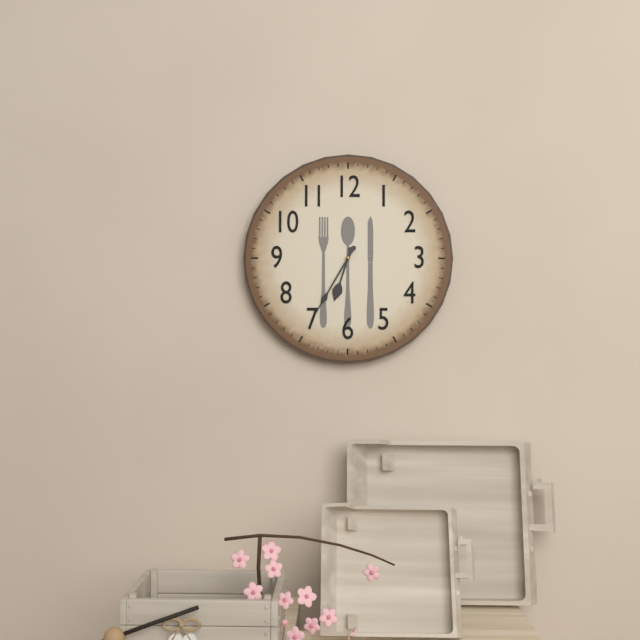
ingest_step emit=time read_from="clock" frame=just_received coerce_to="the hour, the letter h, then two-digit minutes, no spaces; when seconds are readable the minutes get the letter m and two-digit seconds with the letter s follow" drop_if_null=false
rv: 6h35
